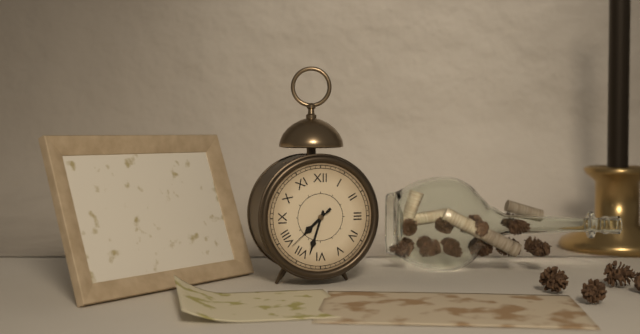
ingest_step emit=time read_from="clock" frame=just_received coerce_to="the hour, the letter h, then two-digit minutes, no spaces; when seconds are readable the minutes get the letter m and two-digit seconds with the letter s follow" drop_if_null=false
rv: 7h33m38s
